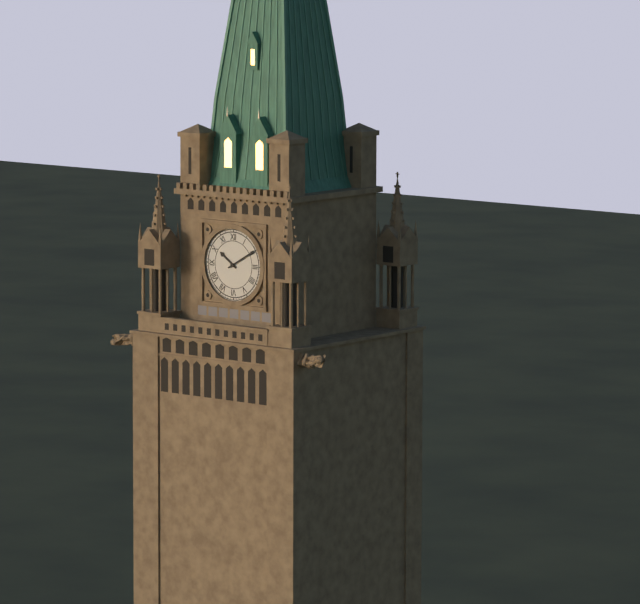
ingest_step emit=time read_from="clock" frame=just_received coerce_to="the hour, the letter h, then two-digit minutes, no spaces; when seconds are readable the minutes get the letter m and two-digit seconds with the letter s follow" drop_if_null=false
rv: 10h10
